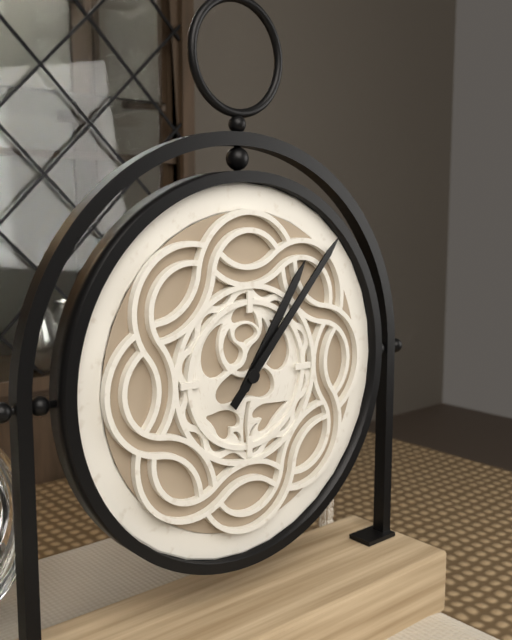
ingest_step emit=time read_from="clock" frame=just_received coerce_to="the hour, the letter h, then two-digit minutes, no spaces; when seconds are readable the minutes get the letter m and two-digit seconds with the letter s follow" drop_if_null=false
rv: 1h07
